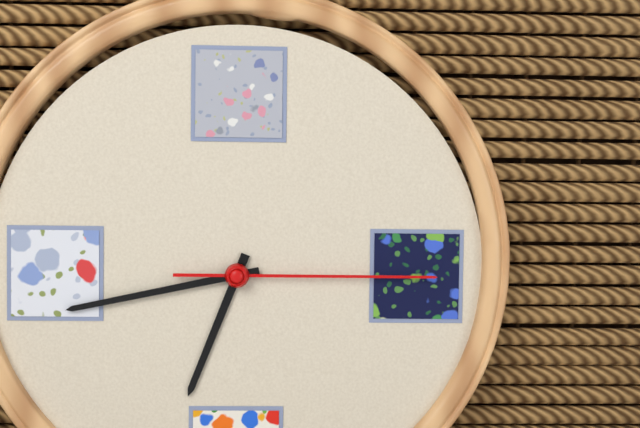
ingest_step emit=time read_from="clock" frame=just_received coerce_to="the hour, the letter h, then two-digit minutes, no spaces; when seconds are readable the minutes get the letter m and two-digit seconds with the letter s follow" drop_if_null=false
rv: 6h43m15s
